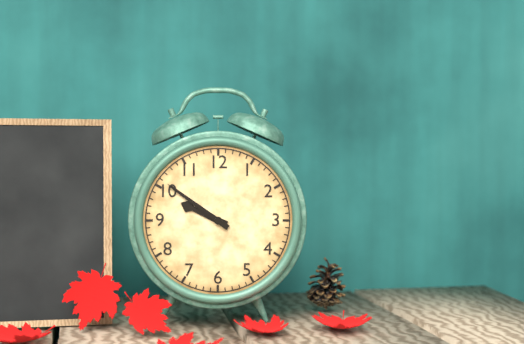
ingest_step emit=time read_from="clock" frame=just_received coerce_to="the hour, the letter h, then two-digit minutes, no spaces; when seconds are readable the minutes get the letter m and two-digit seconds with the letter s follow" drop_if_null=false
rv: 9h51
